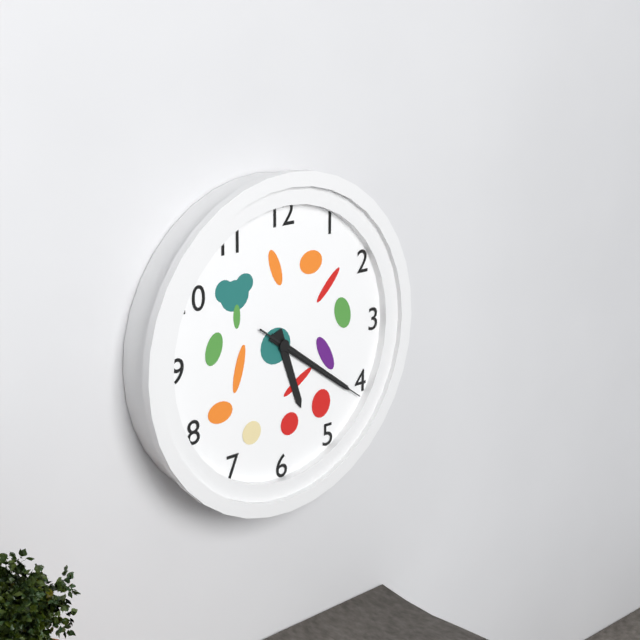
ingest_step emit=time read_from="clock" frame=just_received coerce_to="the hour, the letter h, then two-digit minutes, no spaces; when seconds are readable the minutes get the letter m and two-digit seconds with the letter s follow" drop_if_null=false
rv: 5h21m21s
